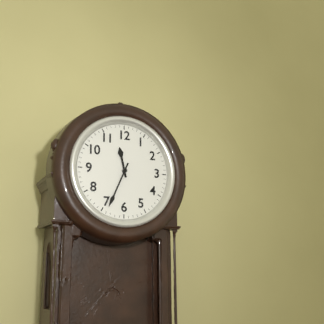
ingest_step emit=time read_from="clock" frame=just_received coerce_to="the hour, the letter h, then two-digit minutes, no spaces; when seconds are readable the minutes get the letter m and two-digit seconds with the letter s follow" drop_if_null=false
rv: 11h34
